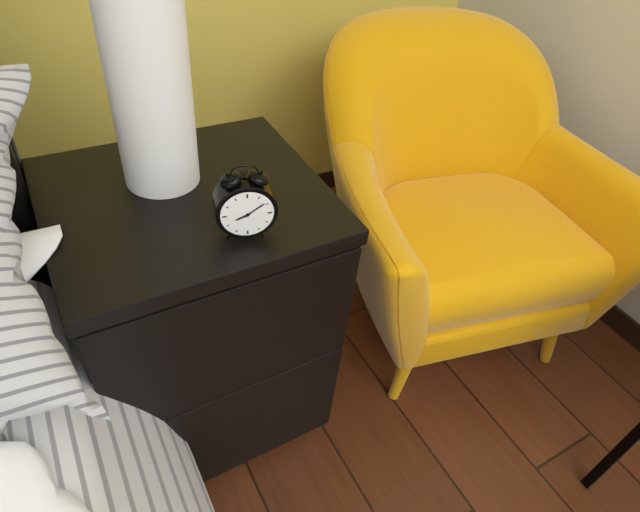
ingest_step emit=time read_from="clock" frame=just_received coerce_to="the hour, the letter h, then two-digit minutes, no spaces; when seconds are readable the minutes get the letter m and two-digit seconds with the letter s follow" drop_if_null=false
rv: 8h09
